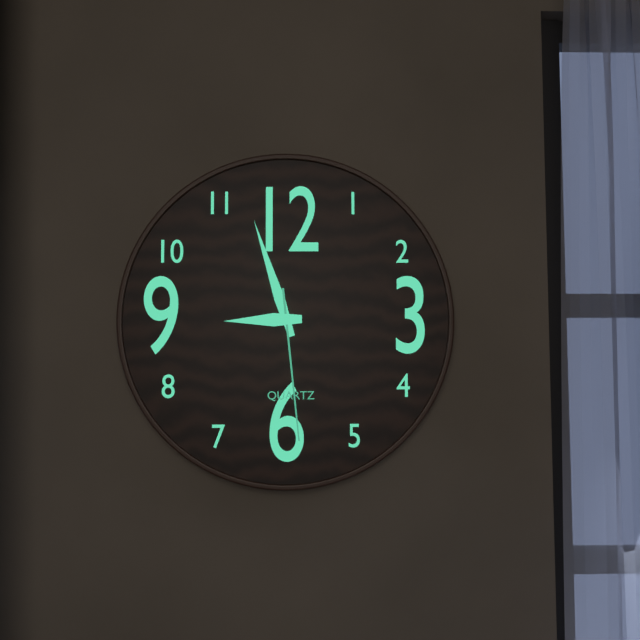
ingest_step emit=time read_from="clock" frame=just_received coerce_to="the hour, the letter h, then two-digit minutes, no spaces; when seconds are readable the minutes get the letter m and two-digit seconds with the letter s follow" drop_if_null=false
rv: 8h57m29s
